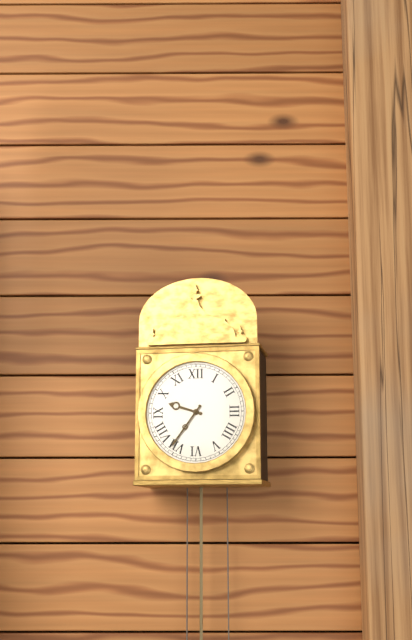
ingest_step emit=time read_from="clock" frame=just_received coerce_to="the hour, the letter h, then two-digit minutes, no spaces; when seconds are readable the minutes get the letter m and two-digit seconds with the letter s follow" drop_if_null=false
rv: 9h36
